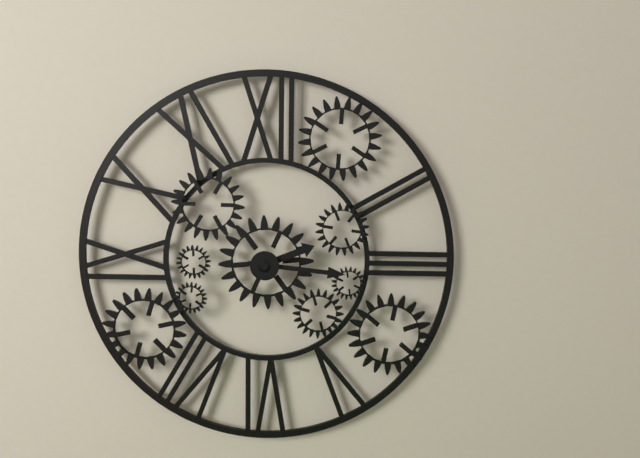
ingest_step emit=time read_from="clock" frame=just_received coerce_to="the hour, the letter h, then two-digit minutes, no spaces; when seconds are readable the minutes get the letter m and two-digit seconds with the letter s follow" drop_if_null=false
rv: 2h16
